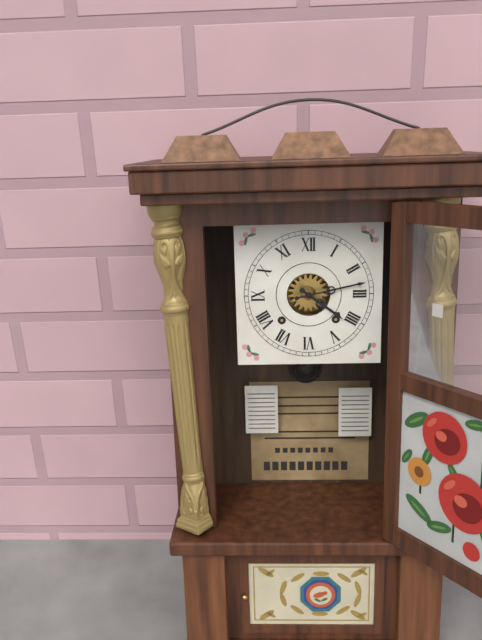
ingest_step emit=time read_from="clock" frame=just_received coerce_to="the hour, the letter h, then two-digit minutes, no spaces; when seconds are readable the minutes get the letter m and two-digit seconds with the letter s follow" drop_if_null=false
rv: 4h13
